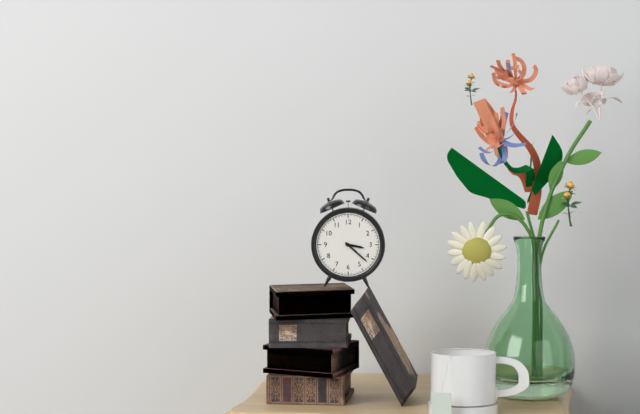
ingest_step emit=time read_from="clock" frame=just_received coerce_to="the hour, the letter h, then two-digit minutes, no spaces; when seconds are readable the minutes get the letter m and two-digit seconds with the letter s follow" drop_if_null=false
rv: 3h22
